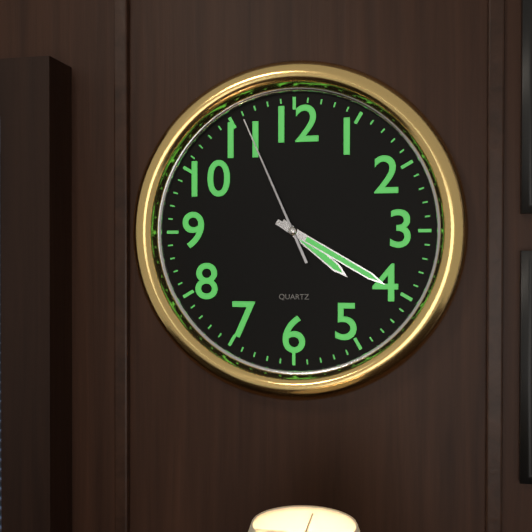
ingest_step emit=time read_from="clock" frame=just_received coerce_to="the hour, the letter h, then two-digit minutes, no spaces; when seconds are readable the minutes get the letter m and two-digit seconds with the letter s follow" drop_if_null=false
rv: 4h20m56s
